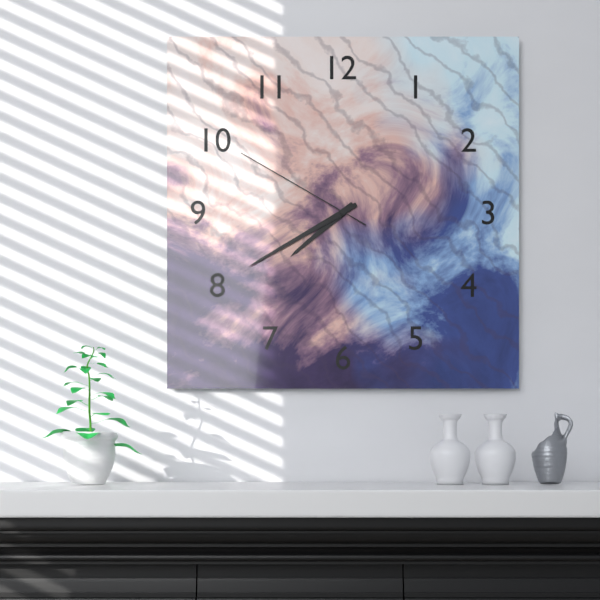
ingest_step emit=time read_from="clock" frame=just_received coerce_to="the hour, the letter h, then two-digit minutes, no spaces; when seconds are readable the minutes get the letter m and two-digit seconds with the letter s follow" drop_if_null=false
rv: 7h40m50s
